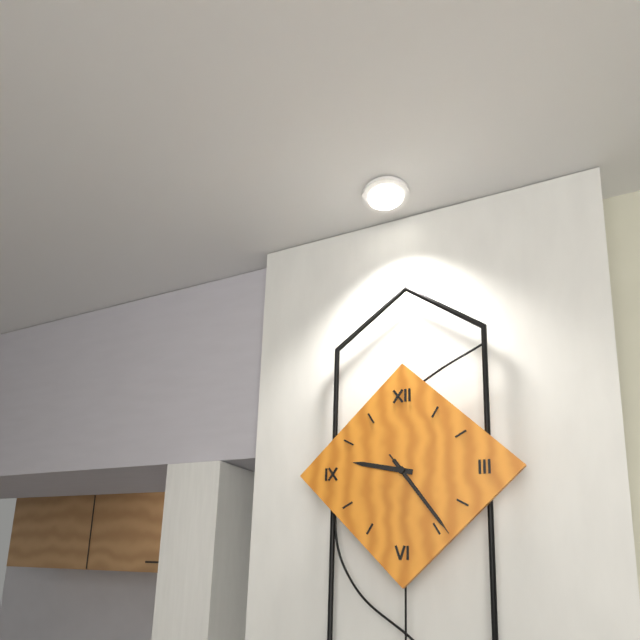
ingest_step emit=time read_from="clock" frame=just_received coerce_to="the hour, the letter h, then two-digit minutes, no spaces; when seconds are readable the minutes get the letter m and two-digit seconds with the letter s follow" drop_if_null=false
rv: 9h24m24s
